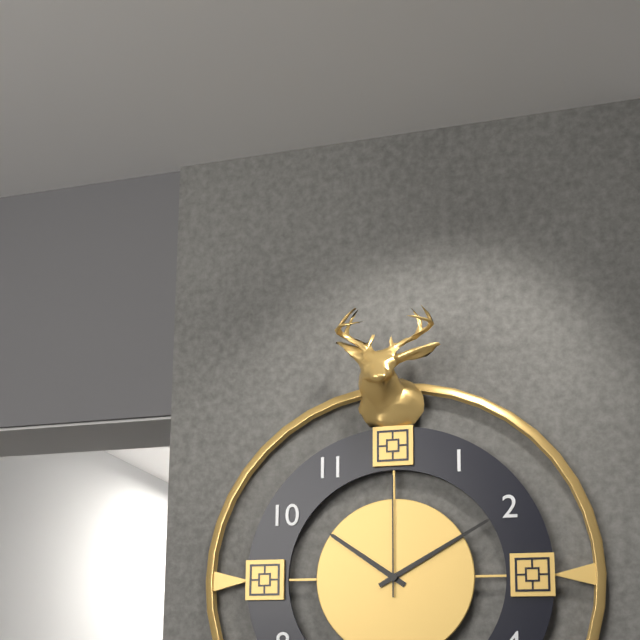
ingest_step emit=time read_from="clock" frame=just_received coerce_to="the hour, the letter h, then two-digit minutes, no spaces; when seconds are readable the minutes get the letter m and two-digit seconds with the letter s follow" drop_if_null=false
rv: 10h10m00s
